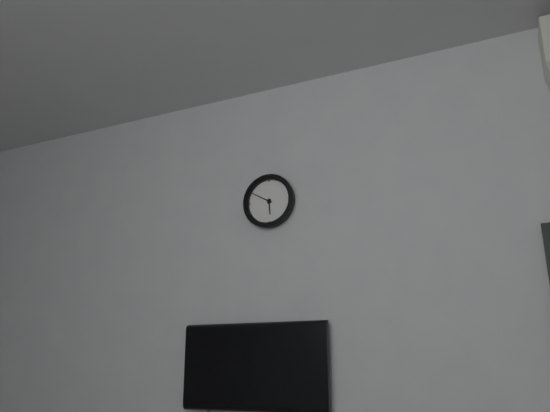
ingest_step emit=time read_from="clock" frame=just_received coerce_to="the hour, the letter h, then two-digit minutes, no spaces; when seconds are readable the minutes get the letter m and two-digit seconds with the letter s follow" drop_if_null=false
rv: 5h50
